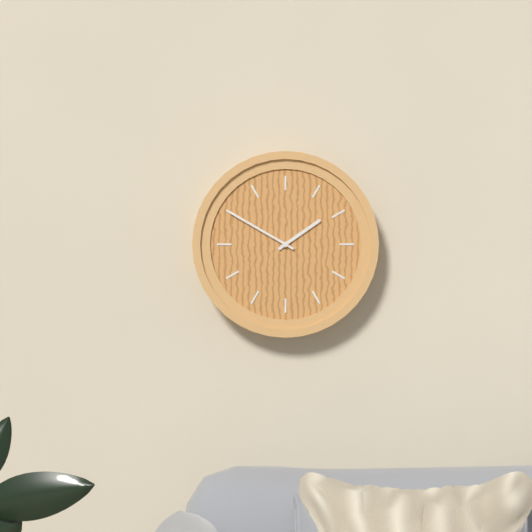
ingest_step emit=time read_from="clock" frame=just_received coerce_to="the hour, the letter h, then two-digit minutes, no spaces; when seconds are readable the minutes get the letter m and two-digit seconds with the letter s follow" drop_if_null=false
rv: 1h50
